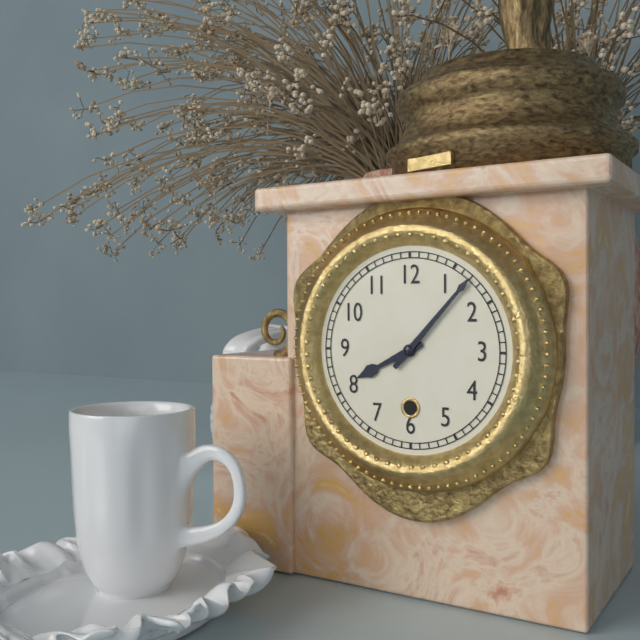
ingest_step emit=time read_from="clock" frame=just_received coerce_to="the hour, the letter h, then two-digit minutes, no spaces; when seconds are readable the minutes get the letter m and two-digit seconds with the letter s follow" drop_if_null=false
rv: 8h07
